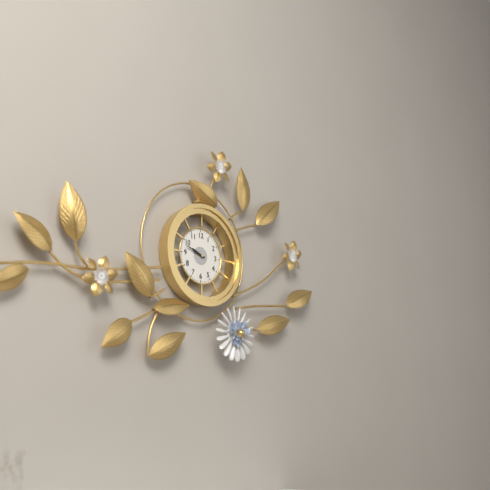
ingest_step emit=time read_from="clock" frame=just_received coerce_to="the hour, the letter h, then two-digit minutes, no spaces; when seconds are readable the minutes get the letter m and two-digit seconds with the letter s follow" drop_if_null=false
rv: 9h48
